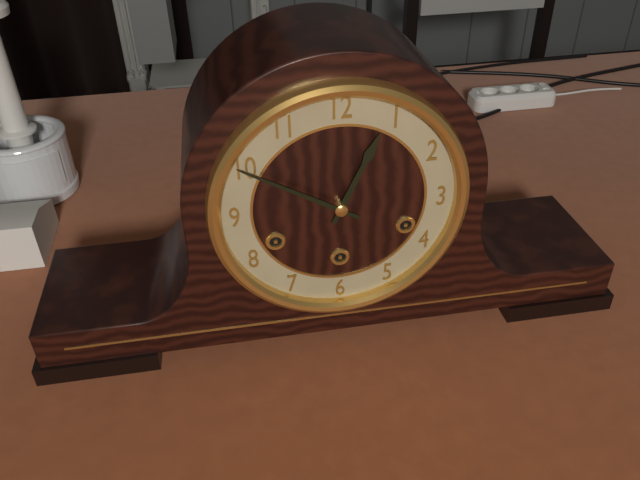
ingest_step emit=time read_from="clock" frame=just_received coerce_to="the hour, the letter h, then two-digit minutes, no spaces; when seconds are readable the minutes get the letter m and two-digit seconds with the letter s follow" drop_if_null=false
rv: 12h50
